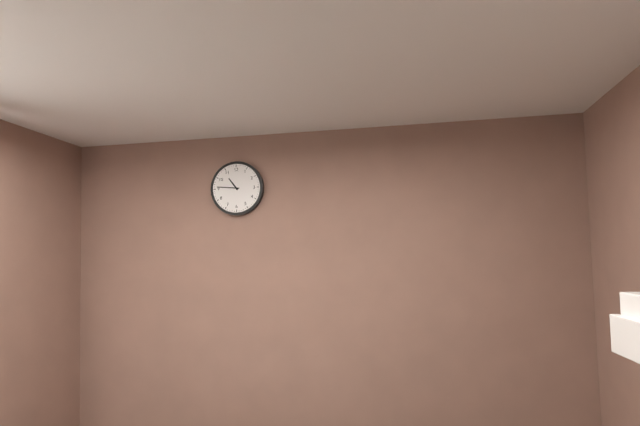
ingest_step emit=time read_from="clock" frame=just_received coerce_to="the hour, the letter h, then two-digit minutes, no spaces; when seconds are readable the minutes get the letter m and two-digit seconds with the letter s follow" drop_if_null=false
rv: 10h46
